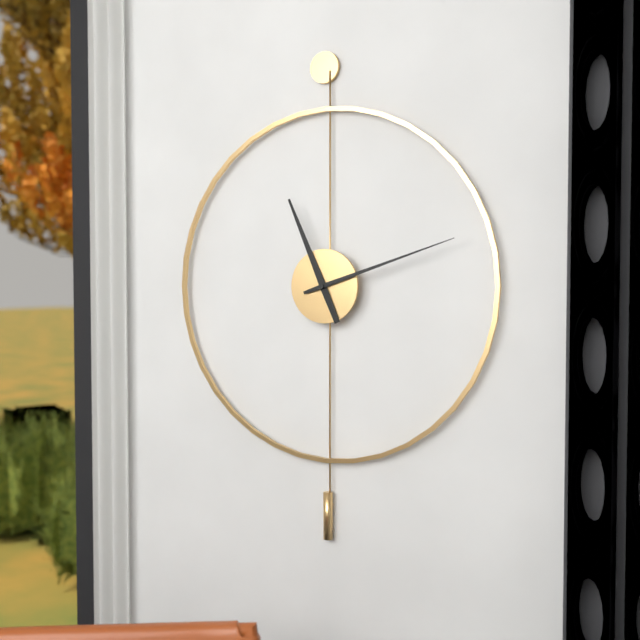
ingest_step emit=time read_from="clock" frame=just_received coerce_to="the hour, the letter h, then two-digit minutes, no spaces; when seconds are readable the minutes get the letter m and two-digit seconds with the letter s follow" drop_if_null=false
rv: 11h12
